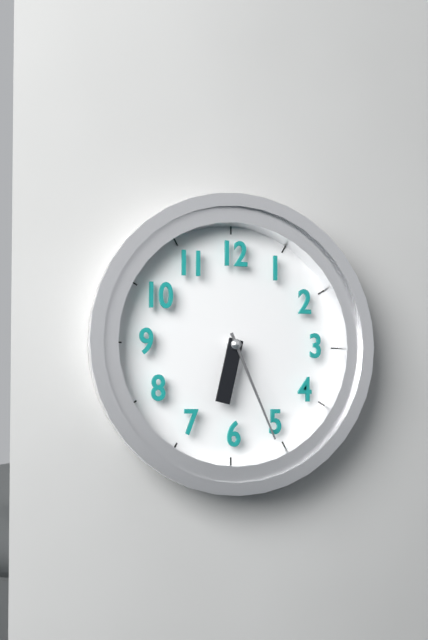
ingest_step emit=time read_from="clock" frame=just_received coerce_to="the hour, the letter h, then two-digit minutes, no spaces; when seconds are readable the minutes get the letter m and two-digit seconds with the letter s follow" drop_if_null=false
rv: 6h26
